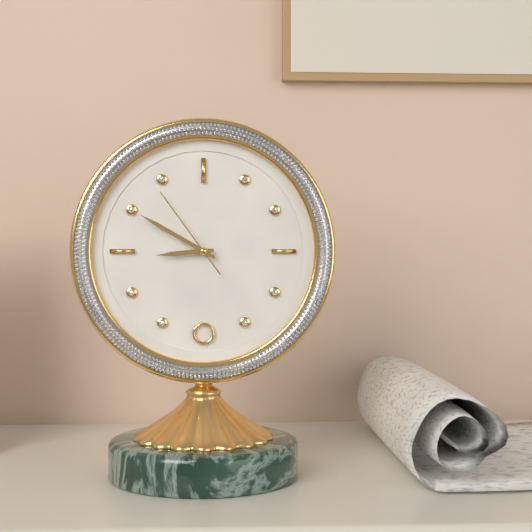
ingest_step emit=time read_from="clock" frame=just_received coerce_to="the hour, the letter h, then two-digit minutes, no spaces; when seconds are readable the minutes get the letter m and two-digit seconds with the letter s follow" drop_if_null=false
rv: 8h50m54s
